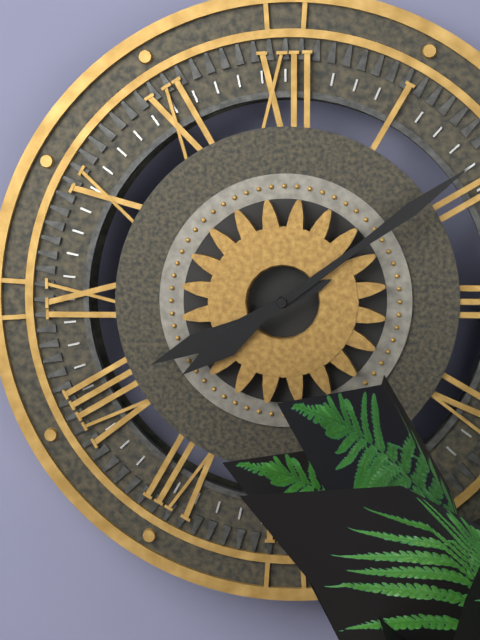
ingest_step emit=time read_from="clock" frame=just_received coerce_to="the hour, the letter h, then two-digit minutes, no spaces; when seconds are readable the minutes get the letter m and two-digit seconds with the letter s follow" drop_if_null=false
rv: 8h09
